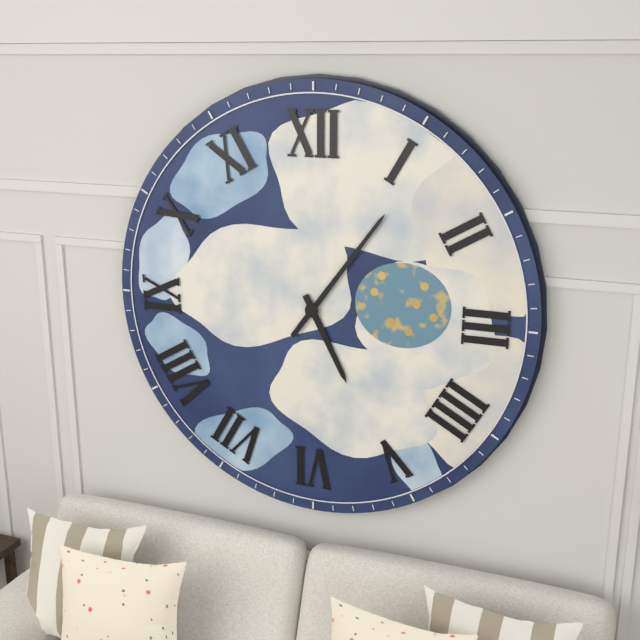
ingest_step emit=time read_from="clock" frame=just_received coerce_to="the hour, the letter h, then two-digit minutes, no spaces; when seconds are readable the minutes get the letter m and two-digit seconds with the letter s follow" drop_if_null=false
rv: 5h06
